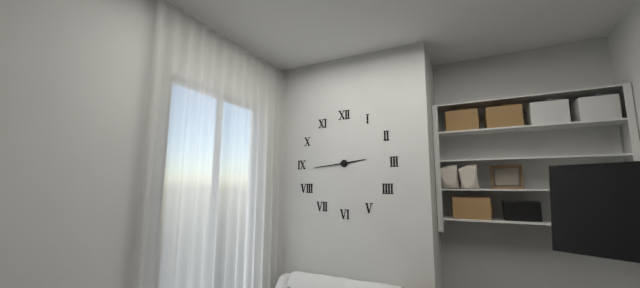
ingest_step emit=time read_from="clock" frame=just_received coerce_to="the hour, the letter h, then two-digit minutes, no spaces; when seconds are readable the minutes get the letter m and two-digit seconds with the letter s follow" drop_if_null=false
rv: 2h44
